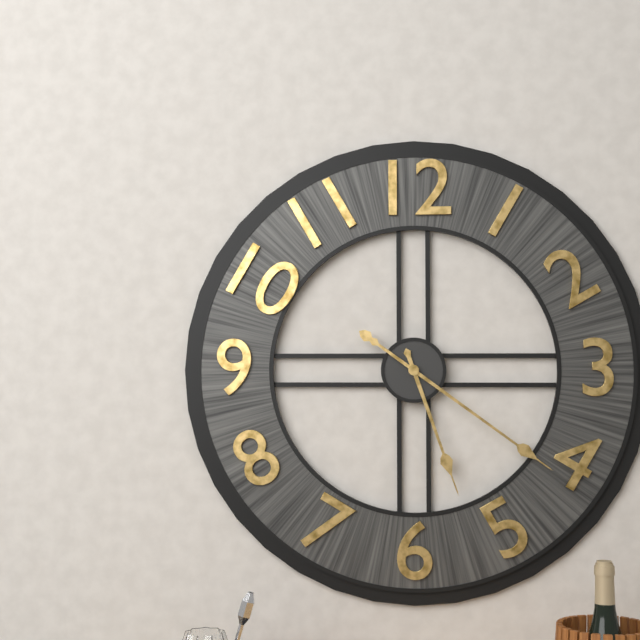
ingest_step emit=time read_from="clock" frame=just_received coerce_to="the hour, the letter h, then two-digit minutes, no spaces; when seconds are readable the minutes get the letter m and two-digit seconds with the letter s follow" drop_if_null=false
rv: 5h21
